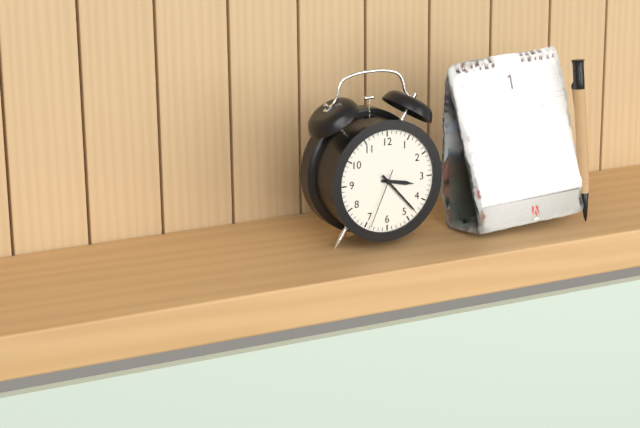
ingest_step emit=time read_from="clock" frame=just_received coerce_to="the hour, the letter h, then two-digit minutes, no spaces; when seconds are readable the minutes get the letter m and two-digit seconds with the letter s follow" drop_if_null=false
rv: 3h23m34s
